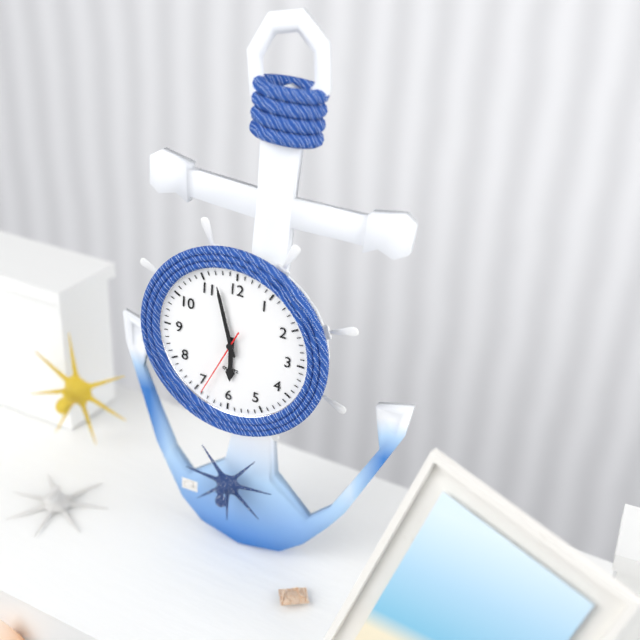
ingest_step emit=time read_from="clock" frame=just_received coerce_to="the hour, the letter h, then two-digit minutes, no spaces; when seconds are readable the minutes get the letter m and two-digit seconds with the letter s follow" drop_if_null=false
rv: 5h57m34s
